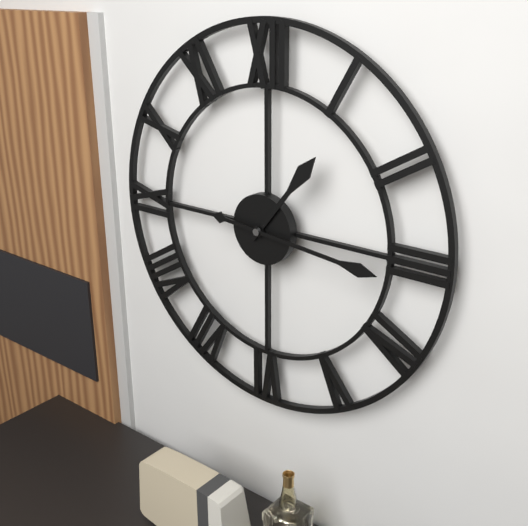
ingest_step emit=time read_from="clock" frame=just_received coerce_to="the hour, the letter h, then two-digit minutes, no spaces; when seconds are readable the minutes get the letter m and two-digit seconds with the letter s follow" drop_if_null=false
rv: 1h16
